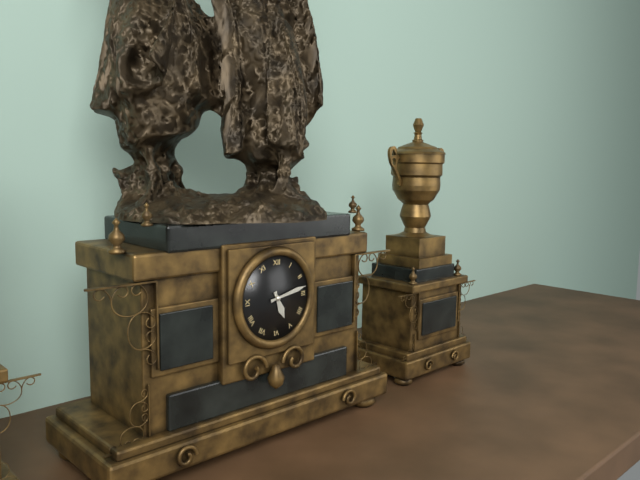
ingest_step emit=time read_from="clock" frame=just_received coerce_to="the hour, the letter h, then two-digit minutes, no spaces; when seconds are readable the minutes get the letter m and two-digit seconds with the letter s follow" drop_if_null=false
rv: 5h13
